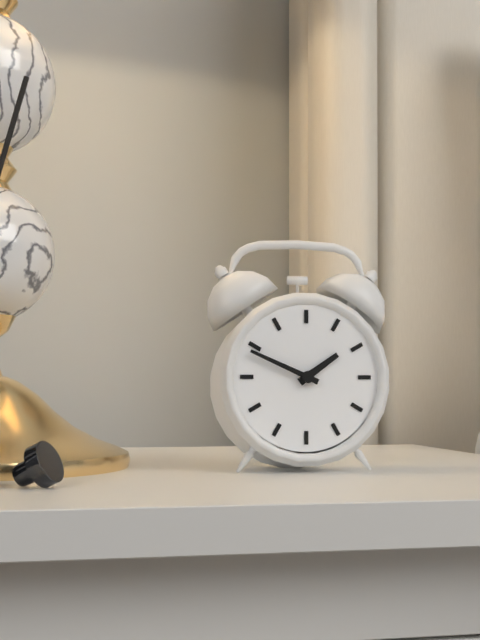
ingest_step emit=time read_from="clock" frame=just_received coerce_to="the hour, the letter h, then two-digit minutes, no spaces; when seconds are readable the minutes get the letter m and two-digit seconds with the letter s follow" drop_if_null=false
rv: 1h49
